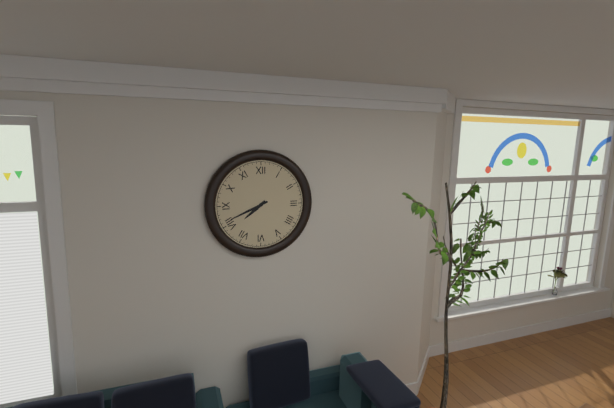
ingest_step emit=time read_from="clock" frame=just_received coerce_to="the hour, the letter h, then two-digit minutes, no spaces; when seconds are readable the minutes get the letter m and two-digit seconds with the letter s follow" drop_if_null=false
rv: 7h41
